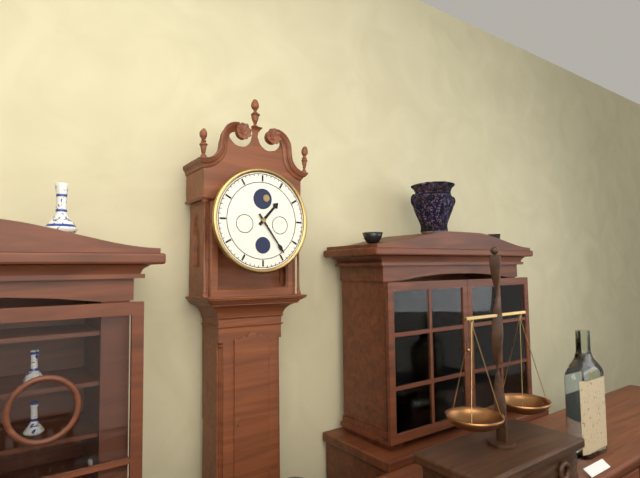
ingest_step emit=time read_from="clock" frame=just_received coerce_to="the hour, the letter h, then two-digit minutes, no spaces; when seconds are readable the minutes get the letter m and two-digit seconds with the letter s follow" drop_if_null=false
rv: 1h24
